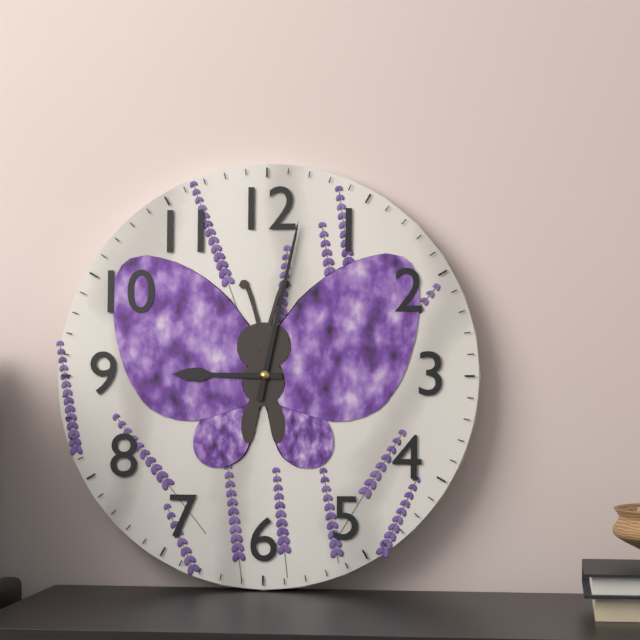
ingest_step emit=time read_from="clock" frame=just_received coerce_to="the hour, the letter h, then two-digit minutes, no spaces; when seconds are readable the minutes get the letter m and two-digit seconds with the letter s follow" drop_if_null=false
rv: 9h02
